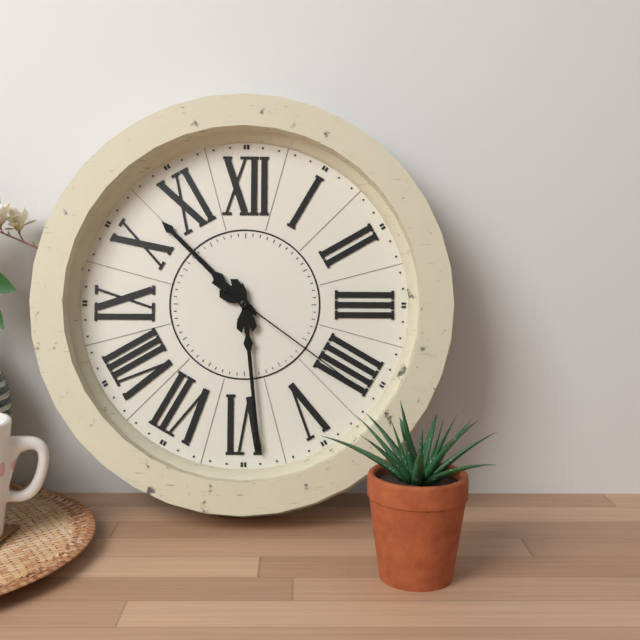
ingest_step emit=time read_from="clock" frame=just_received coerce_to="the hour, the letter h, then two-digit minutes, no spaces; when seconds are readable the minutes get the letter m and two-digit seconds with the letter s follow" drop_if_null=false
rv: 10h29m21s
